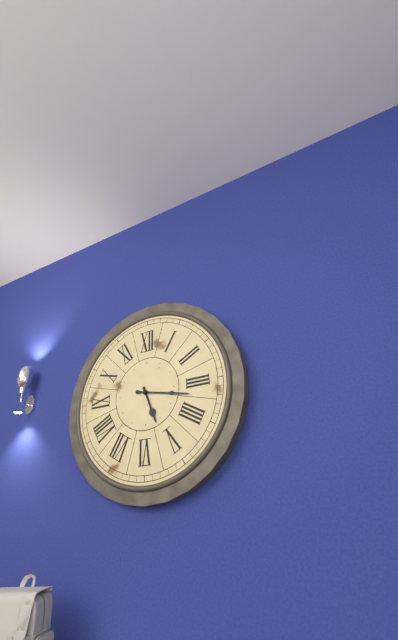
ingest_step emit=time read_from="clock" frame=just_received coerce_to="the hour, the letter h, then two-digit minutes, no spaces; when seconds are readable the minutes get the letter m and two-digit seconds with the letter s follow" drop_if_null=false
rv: 5h17
